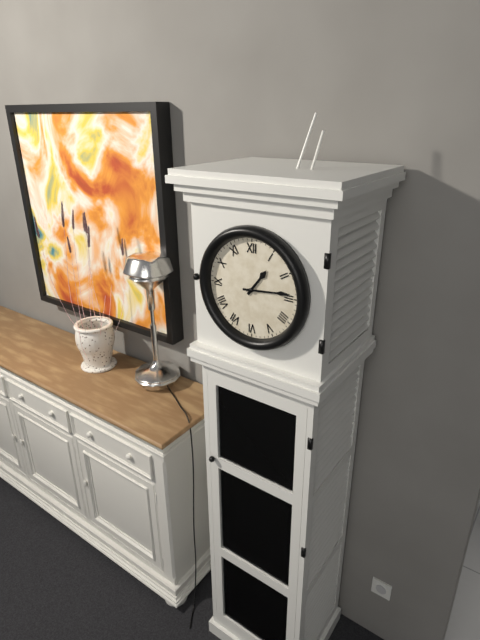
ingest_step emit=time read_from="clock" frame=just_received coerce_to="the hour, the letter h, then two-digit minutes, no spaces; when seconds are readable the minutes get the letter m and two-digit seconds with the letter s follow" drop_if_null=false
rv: 1h14
